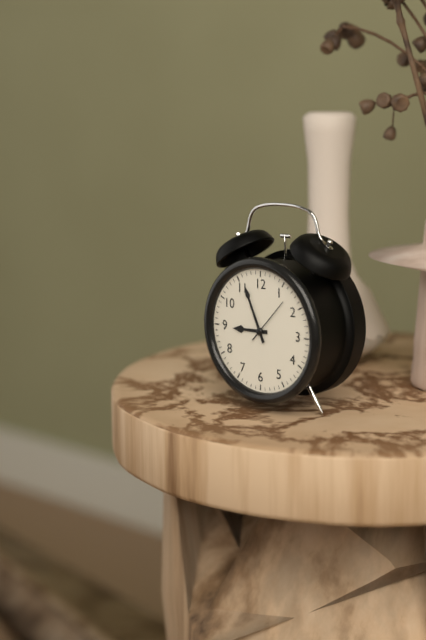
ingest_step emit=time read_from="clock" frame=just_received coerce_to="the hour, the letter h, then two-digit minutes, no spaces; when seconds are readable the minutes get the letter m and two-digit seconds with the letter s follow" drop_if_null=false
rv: 8h56
